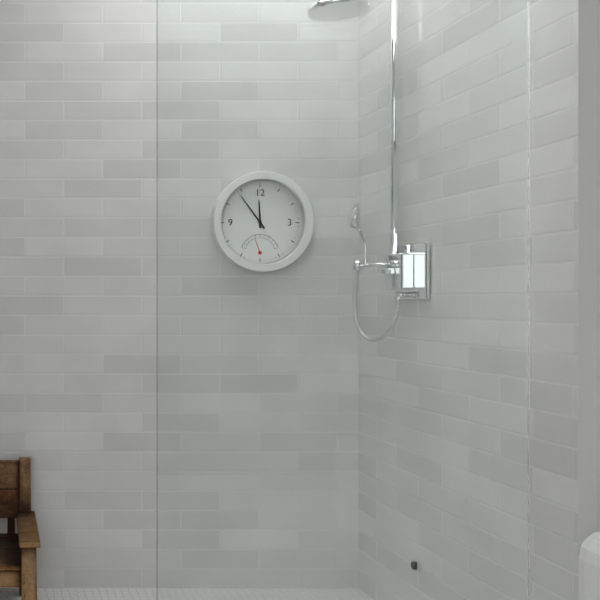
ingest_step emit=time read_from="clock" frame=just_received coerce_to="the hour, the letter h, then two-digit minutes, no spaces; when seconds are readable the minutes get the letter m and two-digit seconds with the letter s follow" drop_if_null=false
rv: 11h54
